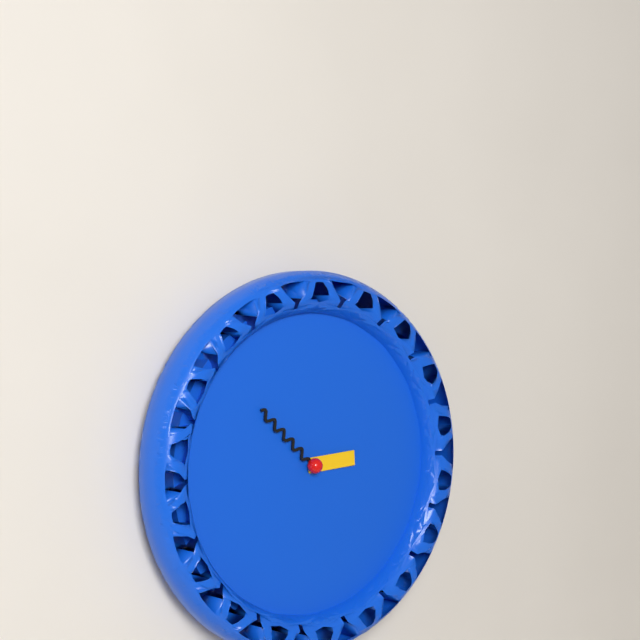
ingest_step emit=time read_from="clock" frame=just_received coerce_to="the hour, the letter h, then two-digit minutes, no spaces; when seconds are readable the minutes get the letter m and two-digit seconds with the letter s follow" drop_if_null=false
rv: 2h52
